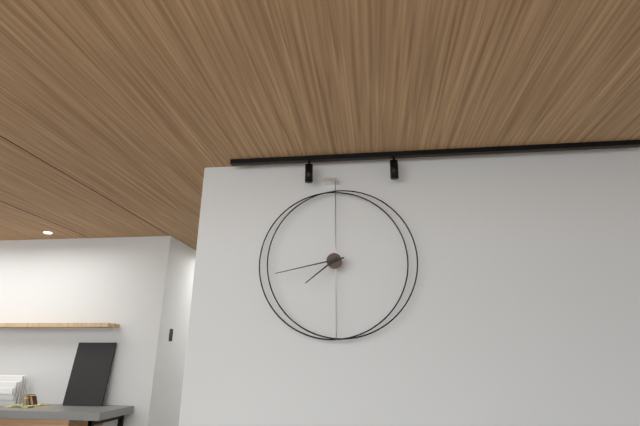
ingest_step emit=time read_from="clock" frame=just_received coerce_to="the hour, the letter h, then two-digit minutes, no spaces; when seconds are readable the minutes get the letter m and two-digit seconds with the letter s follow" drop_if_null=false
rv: 7h43
